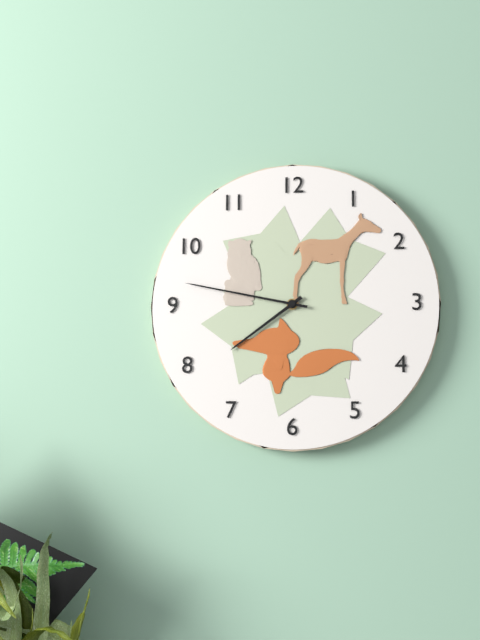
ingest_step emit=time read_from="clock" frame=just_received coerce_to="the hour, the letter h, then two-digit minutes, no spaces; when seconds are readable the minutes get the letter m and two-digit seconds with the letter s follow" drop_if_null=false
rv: 7h47
